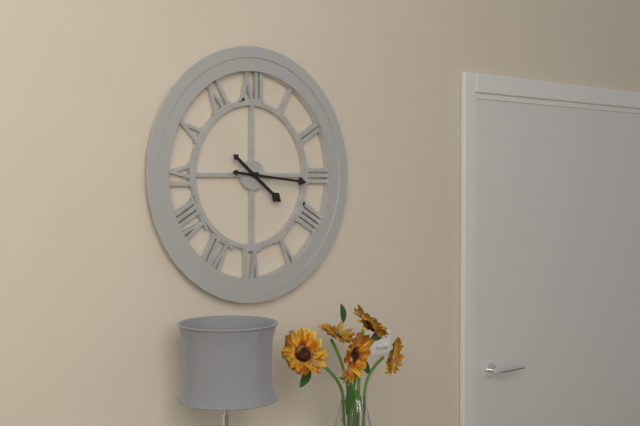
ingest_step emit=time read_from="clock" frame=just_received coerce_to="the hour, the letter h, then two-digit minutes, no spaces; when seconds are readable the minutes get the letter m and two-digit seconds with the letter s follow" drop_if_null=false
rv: 4h16
